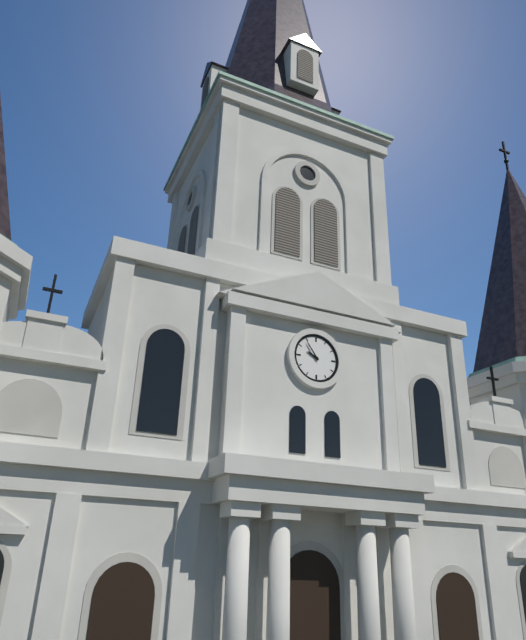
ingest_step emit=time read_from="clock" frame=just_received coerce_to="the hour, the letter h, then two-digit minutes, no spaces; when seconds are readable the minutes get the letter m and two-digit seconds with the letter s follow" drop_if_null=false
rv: 9h54
